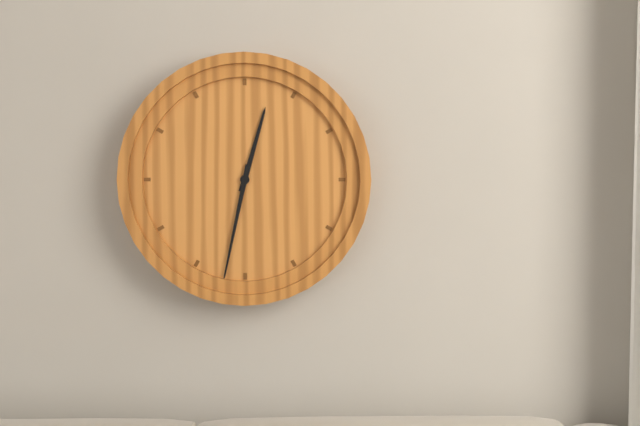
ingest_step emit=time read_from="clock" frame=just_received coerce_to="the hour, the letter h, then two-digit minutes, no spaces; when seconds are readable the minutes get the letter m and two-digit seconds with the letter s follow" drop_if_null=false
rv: 12h32
